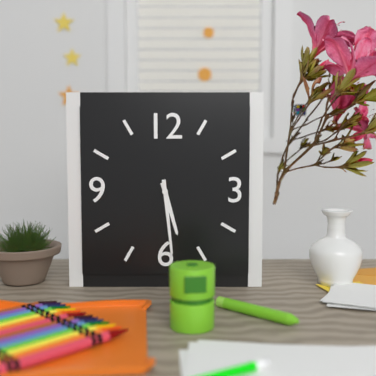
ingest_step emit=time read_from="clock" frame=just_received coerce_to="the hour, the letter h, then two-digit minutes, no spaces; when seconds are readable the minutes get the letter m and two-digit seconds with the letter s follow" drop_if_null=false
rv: 5h29
